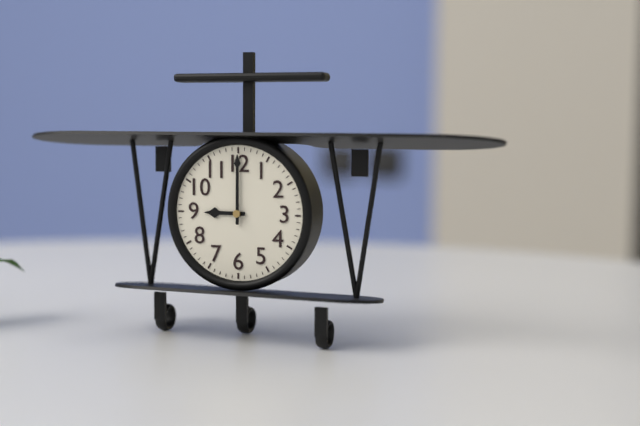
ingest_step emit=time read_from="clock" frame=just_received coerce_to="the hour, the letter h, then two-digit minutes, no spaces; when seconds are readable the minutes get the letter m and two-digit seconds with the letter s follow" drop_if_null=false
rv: 9h00
